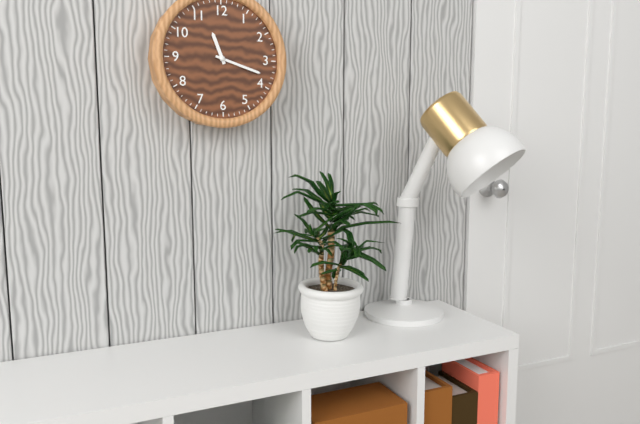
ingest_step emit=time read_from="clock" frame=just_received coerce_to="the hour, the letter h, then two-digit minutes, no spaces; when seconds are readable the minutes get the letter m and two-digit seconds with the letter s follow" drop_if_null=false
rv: 11h18
